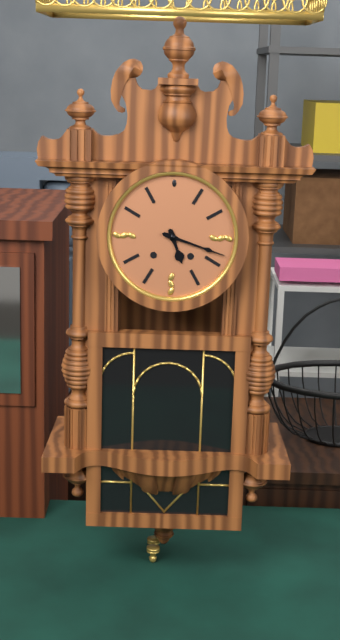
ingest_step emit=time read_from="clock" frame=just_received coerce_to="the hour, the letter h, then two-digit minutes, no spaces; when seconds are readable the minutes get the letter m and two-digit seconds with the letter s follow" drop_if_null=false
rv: 5h18
